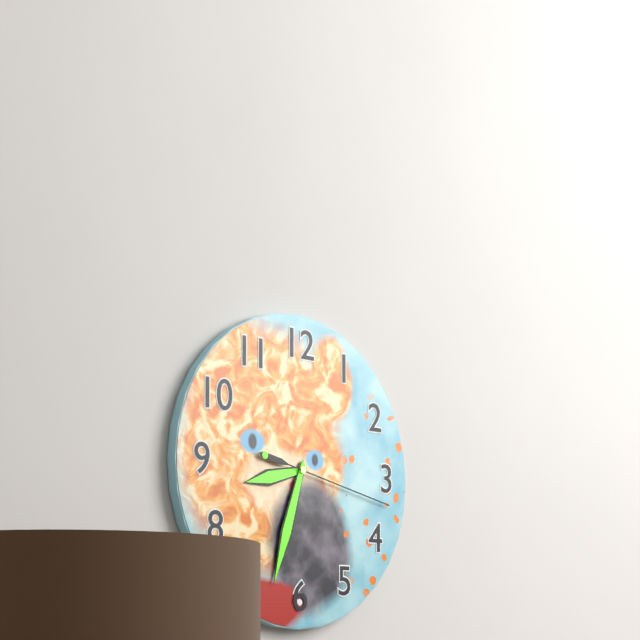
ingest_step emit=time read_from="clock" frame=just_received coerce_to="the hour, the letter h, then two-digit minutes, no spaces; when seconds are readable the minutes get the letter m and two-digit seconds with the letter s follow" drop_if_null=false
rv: 8h33m17s
